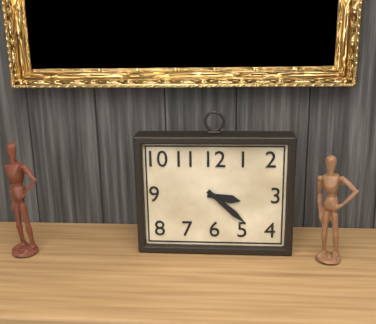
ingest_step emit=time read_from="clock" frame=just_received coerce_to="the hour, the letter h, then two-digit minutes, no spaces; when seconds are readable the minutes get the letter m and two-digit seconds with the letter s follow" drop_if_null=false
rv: 3h22
